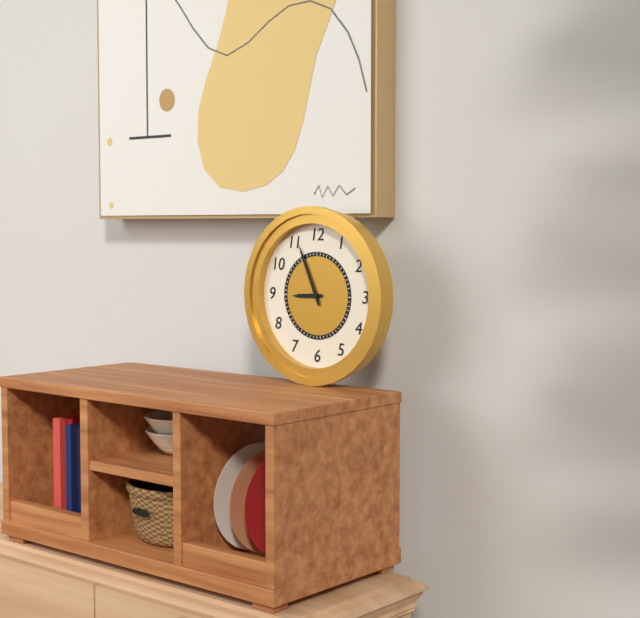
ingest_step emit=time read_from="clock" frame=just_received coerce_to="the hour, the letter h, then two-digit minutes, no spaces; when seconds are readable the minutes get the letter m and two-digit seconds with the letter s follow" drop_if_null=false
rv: 8h56
